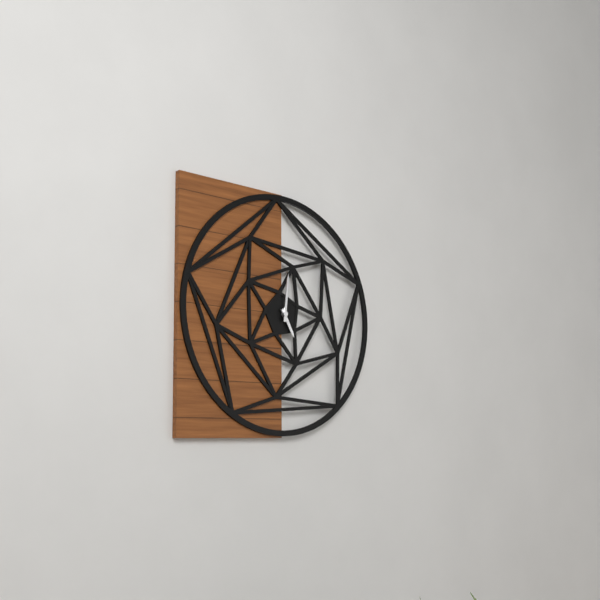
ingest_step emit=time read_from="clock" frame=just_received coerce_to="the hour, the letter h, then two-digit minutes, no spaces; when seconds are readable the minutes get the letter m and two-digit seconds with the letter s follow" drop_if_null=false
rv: 5h01
